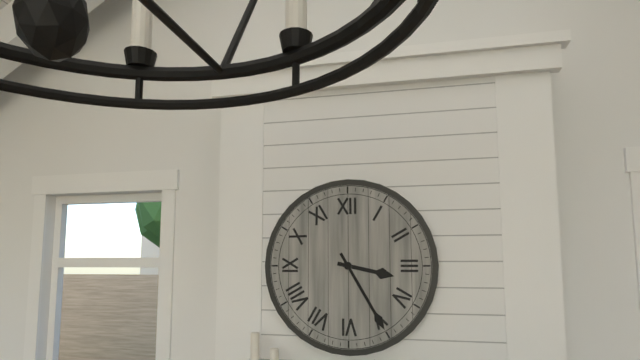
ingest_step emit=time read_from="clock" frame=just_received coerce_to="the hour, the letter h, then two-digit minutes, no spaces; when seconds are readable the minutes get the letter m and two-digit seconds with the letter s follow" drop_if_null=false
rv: 3h25
